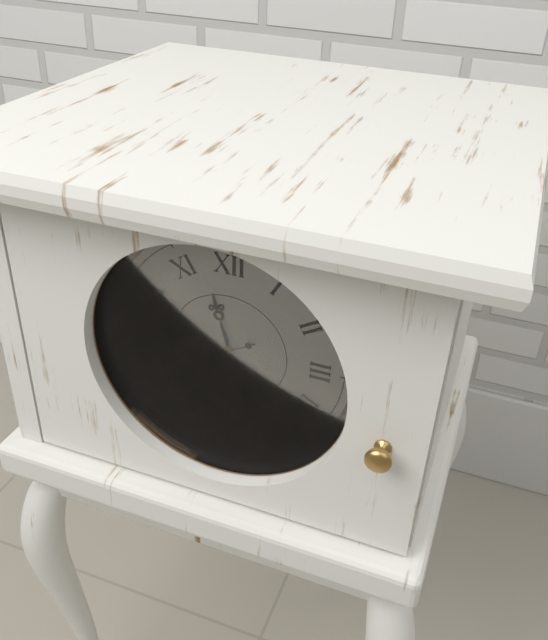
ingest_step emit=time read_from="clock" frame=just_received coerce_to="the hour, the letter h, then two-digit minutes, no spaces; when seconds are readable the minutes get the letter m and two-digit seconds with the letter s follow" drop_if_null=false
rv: 11h29m40s
